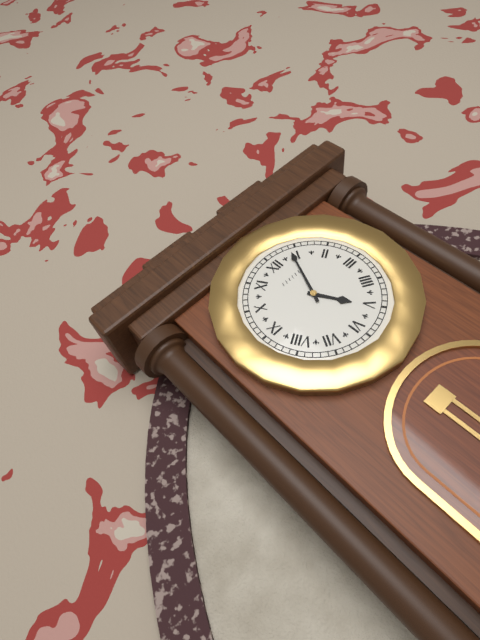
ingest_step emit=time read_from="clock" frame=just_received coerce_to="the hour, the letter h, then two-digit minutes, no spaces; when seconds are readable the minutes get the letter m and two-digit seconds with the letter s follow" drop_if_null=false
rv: 5h04
